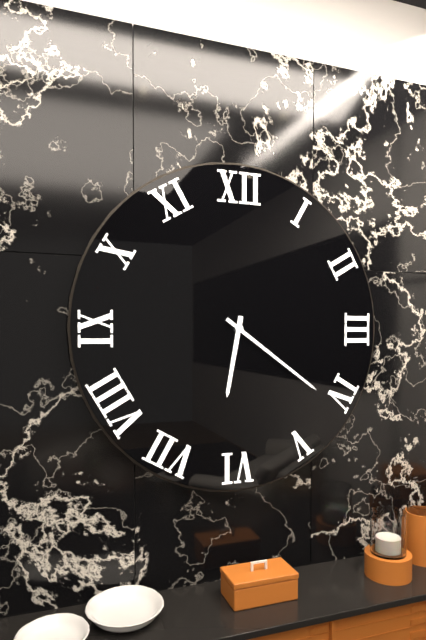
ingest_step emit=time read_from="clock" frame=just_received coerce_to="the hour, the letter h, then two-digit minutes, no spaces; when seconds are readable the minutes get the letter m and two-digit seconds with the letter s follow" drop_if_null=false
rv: 6h21
